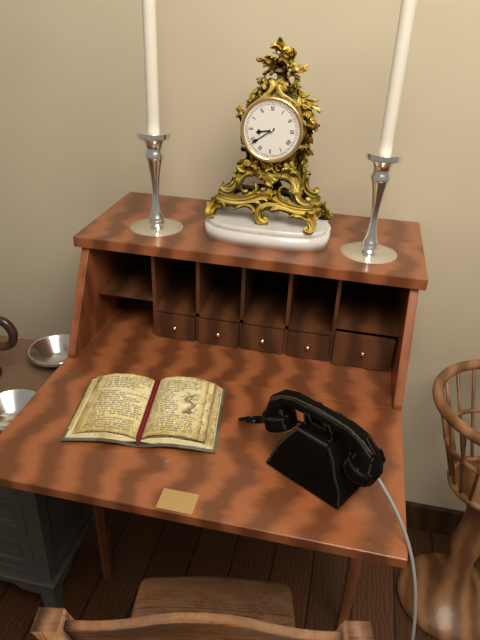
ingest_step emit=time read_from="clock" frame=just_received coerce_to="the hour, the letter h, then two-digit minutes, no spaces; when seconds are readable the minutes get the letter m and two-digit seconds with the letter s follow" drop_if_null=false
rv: 8h39
